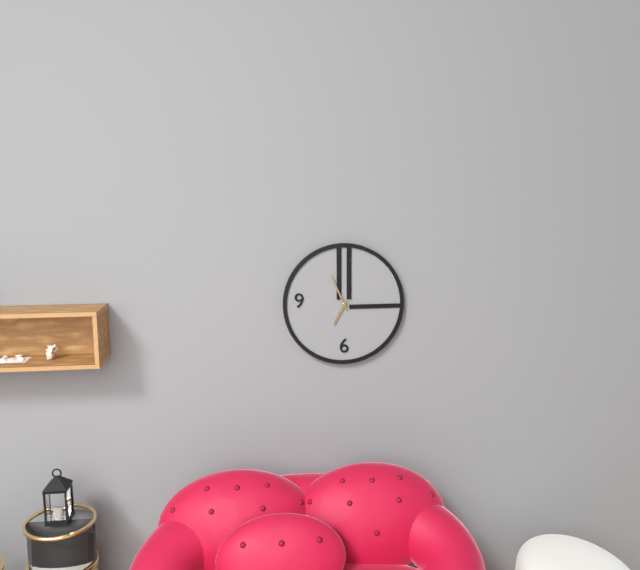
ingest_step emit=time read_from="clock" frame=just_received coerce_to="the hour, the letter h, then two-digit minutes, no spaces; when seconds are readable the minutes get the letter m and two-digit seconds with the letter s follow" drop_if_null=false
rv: 6h56
